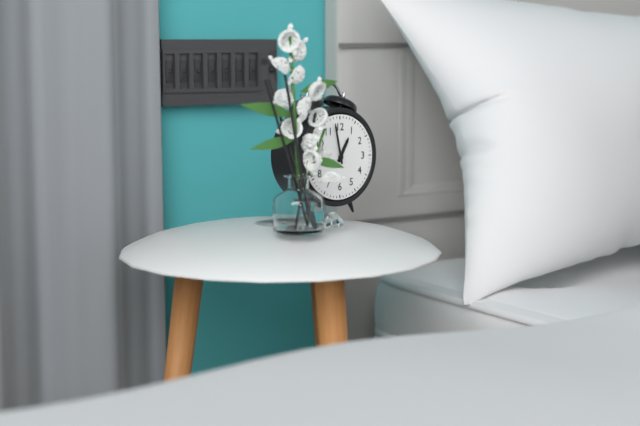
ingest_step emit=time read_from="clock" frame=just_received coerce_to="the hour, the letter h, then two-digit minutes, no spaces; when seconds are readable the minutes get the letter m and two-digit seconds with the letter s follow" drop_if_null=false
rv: 12h58
